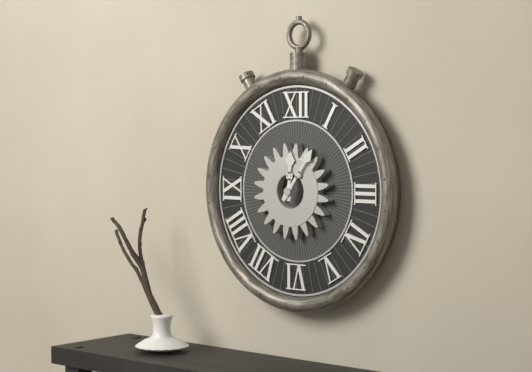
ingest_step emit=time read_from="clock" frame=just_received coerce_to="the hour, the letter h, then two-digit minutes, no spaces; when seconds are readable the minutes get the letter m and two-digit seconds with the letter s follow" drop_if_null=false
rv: 12h06
